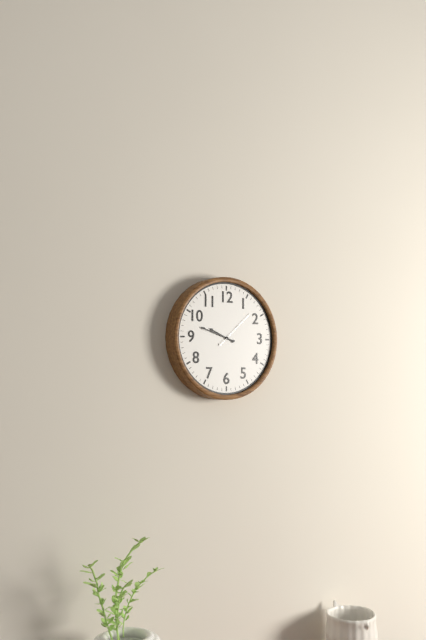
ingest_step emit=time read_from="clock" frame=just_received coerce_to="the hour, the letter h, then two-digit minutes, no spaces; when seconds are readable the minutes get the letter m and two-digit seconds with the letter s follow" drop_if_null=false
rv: 9h48
